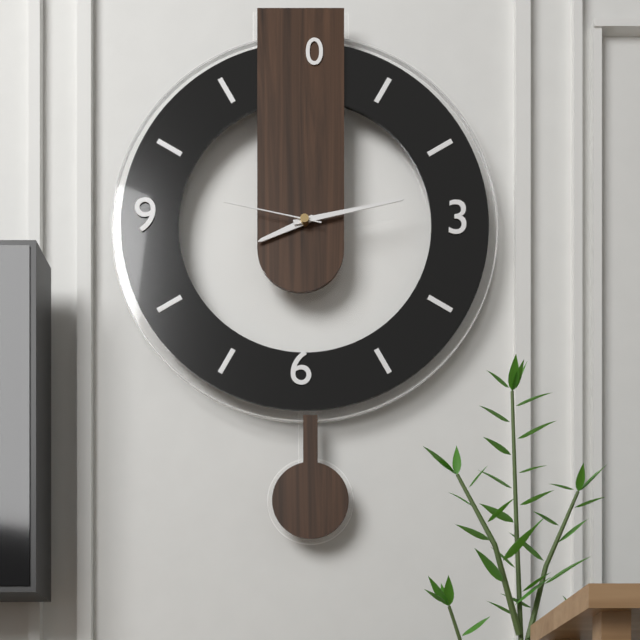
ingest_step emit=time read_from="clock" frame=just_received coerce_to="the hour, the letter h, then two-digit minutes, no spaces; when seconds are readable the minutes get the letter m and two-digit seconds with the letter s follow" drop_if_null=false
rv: 8h13m47s
